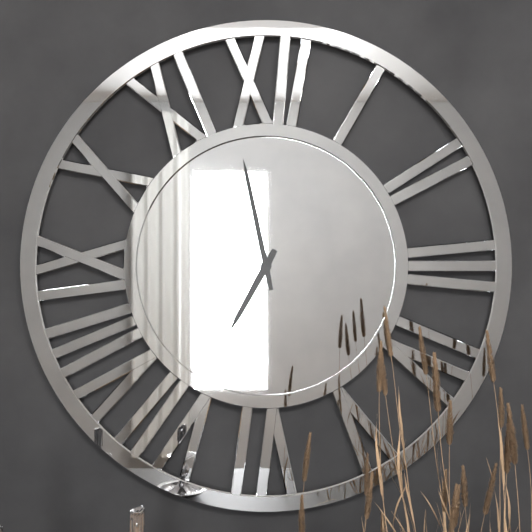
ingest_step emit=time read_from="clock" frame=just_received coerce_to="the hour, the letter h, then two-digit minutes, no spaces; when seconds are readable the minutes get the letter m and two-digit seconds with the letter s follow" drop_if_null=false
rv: 6h58
